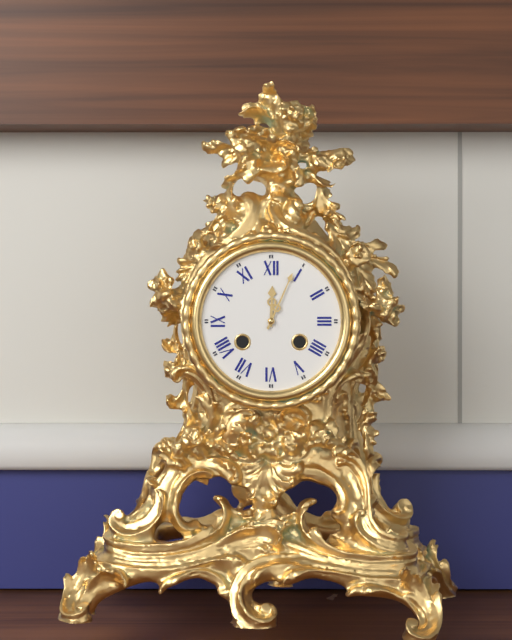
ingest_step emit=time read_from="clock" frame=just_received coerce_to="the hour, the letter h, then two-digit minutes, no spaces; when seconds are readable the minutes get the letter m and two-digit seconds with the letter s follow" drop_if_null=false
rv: 12h04
